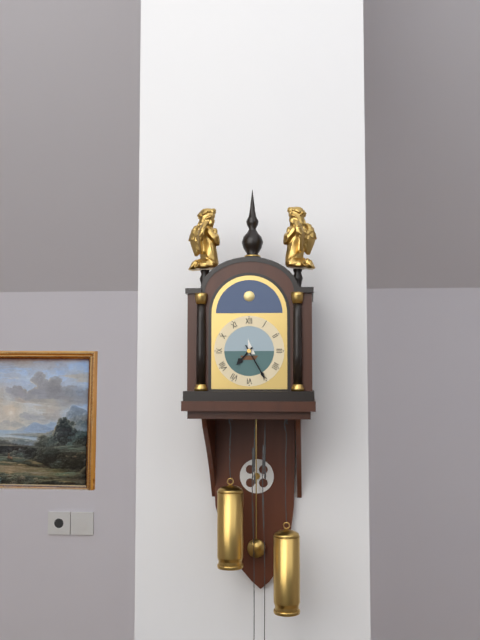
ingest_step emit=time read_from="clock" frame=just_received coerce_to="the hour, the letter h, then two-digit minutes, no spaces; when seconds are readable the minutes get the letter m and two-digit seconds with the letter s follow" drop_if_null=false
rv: 7h25
